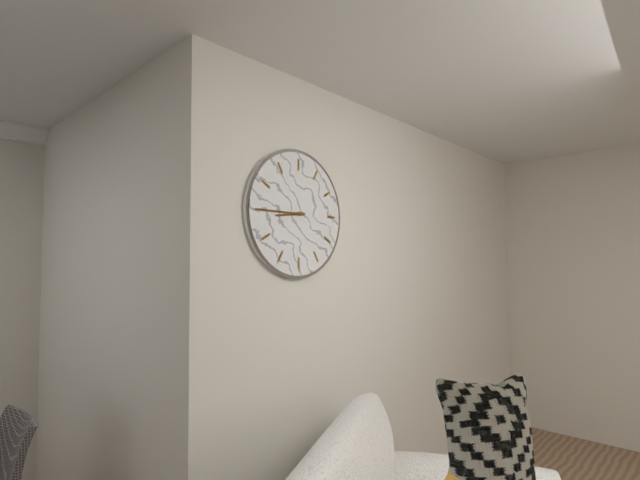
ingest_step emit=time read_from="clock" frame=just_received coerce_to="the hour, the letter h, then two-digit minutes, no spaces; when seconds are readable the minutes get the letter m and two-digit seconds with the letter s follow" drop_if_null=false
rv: 8h45
